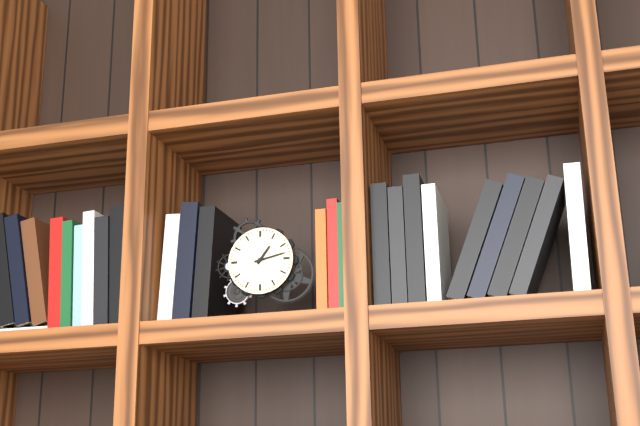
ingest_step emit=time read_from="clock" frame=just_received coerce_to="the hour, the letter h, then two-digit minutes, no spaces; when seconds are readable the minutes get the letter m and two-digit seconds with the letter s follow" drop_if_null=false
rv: 1h13
